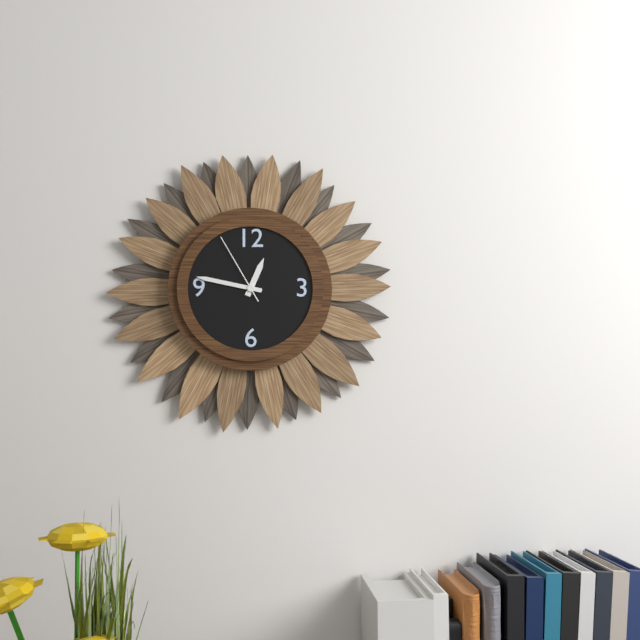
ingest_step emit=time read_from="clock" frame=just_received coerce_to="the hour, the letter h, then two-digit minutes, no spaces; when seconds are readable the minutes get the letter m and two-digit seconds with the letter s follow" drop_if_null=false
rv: 12h47m55s
